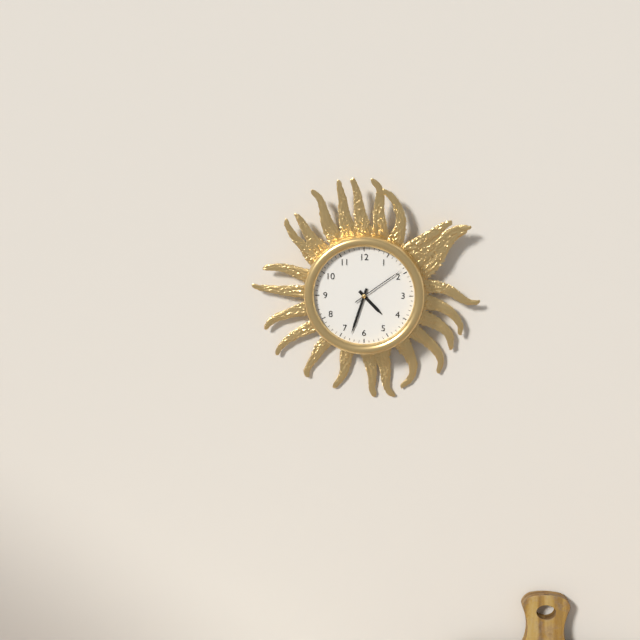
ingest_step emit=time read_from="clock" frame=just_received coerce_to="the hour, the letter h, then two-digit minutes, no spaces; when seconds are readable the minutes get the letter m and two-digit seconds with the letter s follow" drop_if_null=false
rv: 4h33m09s
